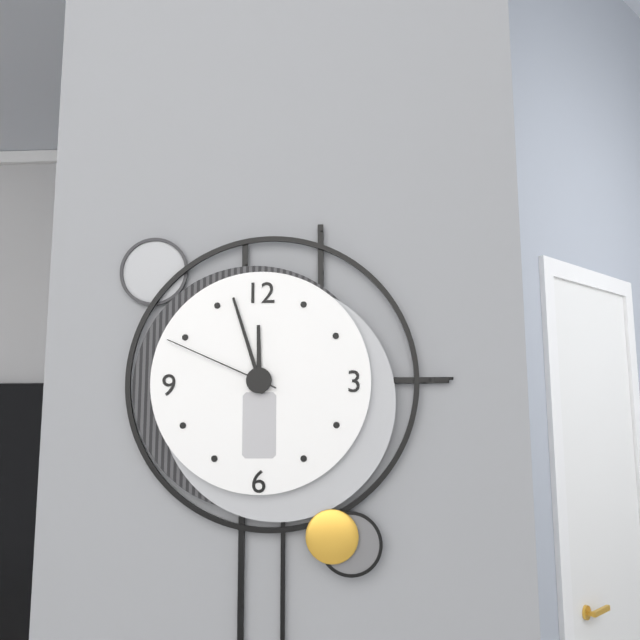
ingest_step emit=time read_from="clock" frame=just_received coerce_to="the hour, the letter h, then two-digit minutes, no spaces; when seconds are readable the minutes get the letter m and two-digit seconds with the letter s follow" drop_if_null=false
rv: 11h57m49s
